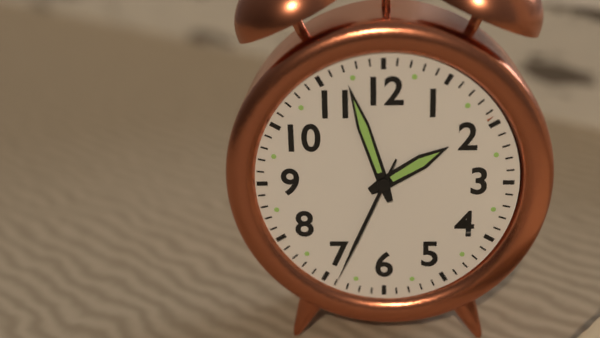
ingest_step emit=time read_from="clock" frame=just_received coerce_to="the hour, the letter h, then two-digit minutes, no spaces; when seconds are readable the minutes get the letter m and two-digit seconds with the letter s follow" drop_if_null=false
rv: 1h57m34s
